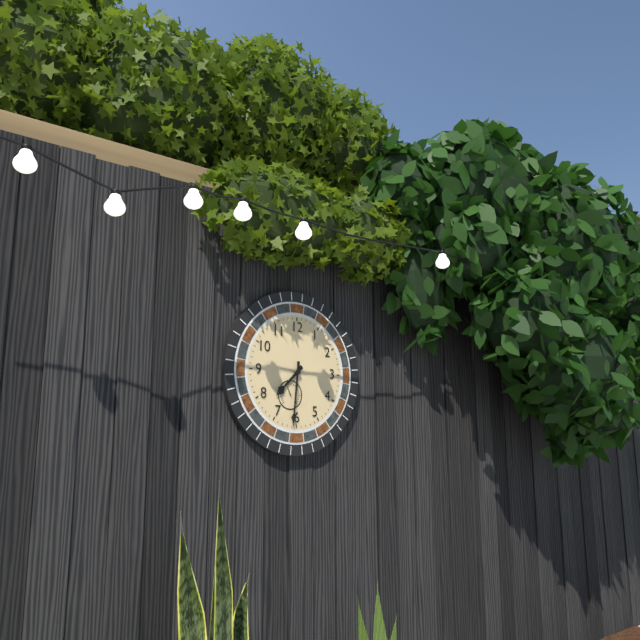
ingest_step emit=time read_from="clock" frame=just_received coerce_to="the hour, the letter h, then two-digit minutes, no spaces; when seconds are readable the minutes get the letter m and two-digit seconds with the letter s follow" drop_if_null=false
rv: 7h31
